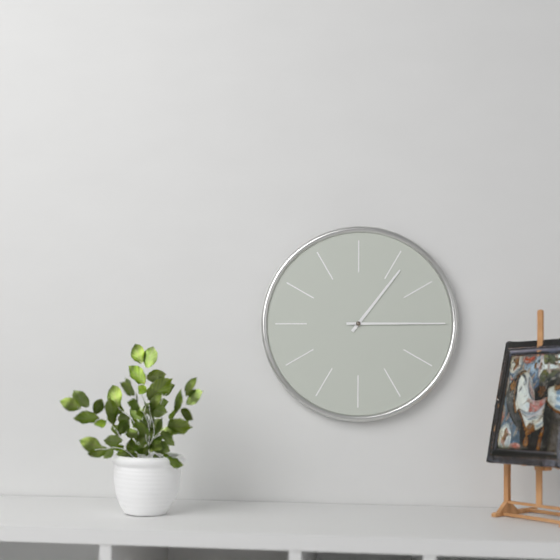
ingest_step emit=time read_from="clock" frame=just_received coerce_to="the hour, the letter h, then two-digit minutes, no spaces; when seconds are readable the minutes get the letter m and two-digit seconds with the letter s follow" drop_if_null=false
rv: 1h15
